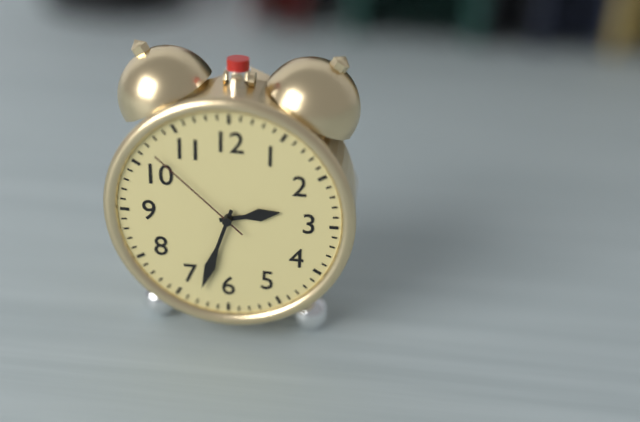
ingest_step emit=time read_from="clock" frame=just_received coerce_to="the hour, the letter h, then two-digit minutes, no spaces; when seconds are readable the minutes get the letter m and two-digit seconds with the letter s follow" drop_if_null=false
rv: 2h33m52s
